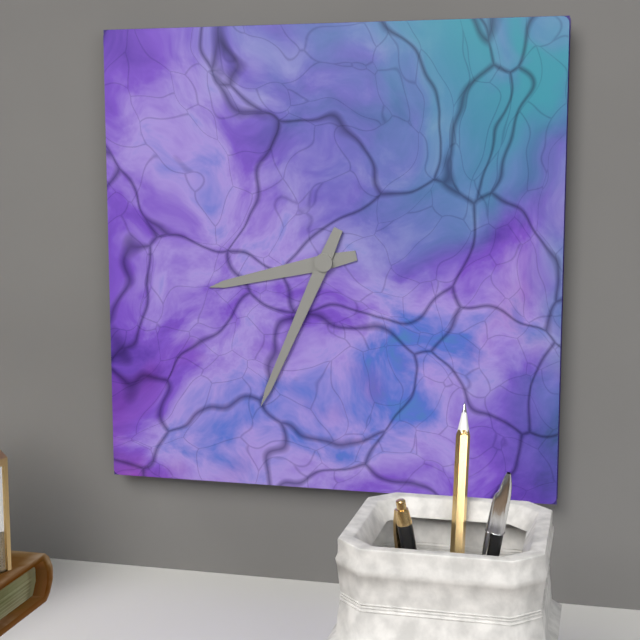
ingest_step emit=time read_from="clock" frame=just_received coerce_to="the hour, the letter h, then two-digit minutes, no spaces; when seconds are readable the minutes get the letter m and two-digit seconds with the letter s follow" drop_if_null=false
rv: 8h34
